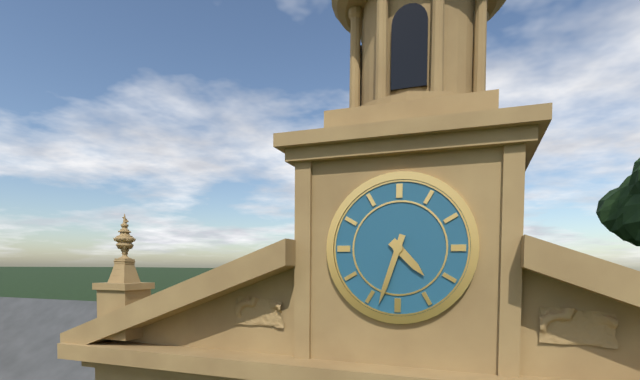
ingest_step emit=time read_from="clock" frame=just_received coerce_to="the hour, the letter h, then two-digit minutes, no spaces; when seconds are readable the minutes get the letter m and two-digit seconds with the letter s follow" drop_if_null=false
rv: 4h33
